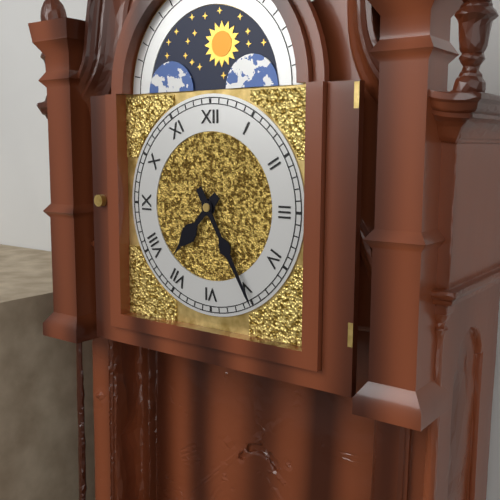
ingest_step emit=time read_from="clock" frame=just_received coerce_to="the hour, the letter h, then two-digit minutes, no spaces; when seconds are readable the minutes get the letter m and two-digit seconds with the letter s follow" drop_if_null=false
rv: 7h25
